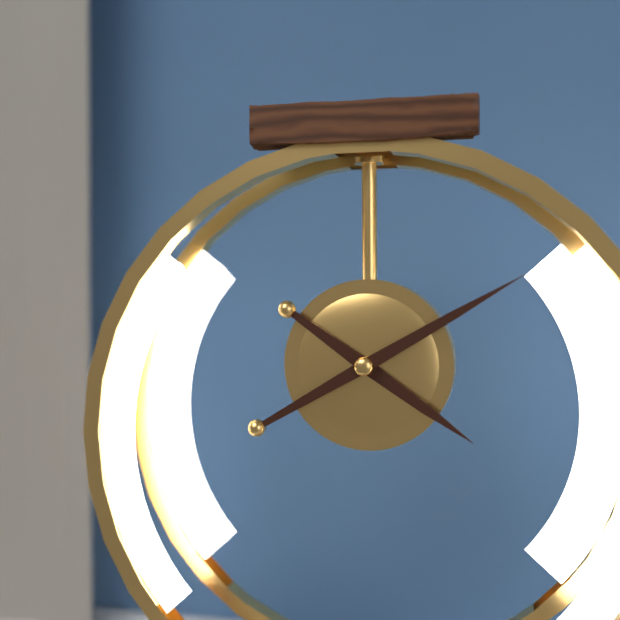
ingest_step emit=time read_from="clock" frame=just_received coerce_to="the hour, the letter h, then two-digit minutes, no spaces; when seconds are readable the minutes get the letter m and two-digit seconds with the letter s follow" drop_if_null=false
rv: 4h10
